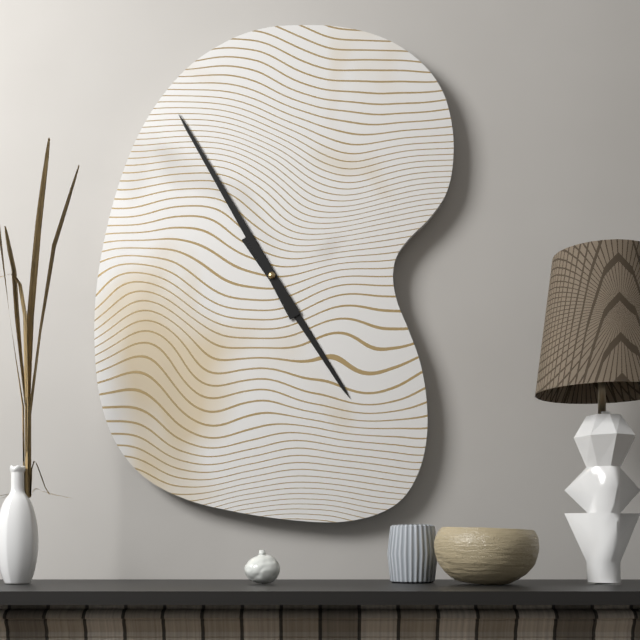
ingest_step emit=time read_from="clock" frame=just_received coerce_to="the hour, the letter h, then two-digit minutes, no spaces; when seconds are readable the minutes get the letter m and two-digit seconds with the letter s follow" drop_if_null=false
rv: 4h55
